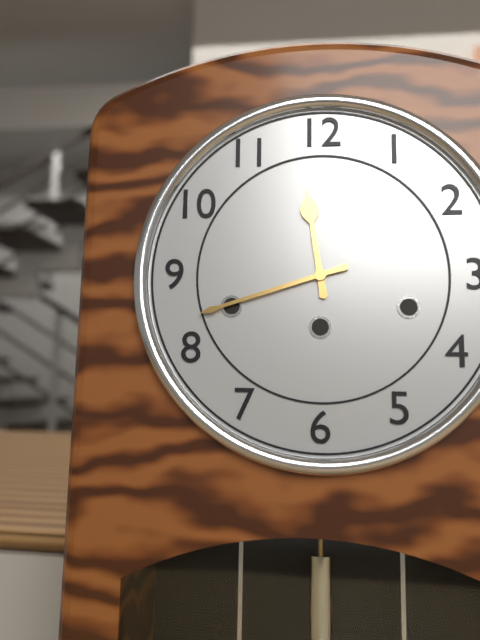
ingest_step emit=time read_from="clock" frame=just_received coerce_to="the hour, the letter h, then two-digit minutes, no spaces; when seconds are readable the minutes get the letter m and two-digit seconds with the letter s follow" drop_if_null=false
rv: 11h42
